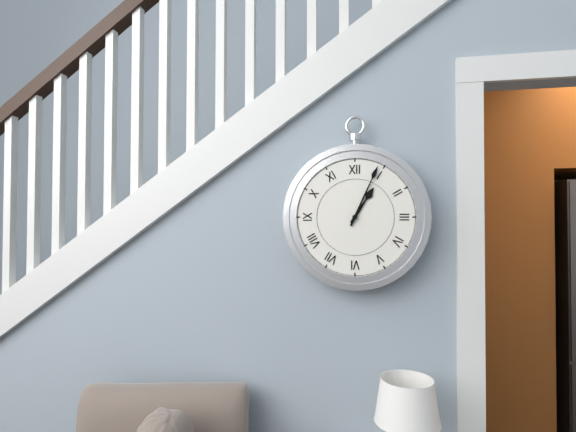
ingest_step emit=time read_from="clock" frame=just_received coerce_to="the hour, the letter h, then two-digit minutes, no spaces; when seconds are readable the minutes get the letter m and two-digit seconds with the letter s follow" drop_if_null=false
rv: 1h04
